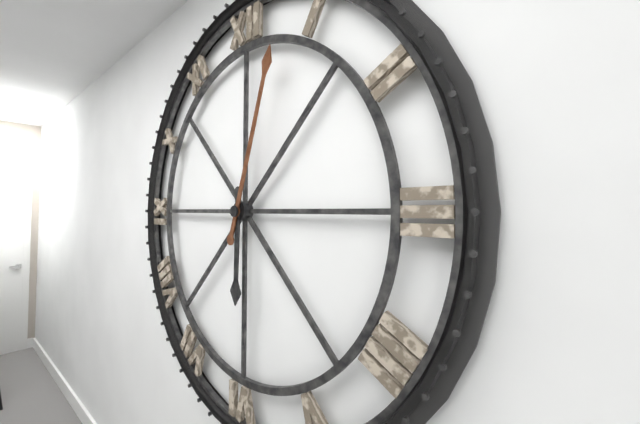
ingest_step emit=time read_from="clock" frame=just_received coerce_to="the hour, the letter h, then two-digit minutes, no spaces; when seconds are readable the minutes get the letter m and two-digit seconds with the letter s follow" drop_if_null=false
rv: 6h03
